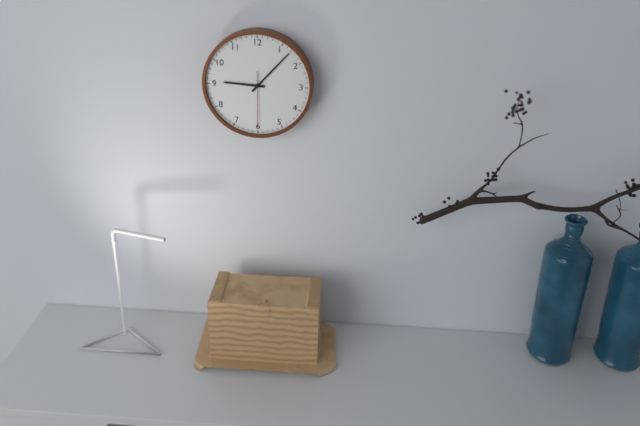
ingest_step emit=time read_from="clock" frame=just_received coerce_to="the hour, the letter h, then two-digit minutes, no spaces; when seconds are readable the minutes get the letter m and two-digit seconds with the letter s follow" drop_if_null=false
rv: 9h07m30s
